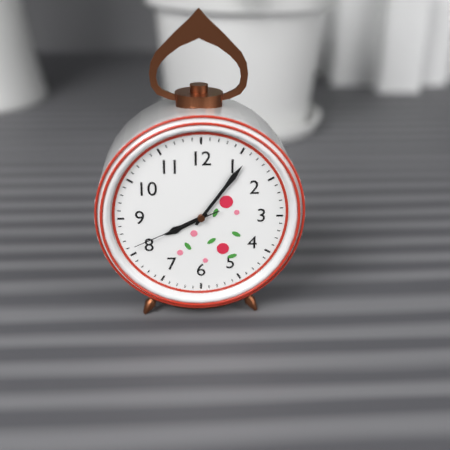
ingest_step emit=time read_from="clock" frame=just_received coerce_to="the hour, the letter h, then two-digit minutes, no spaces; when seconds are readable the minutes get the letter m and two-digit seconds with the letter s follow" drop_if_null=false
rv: 8h06m41s
